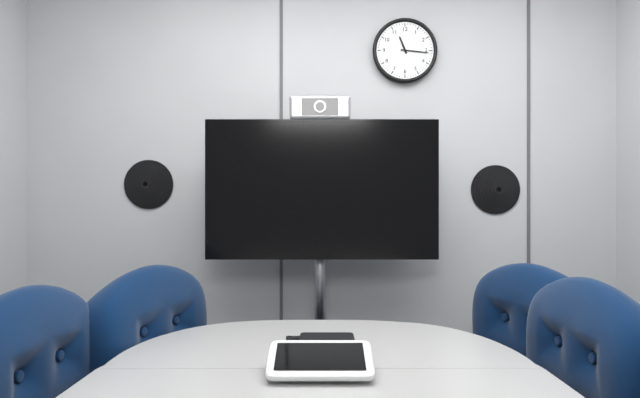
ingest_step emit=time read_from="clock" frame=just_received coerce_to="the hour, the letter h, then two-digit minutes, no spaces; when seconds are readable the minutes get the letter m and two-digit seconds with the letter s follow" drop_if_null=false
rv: 11h16
